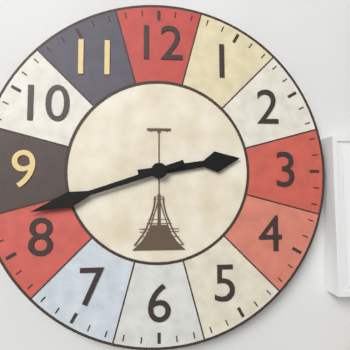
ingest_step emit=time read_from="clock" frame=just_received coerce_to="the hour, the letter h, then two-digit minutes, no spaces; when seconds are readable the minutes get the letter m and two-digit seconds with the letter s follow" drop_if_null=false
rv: 2h42
